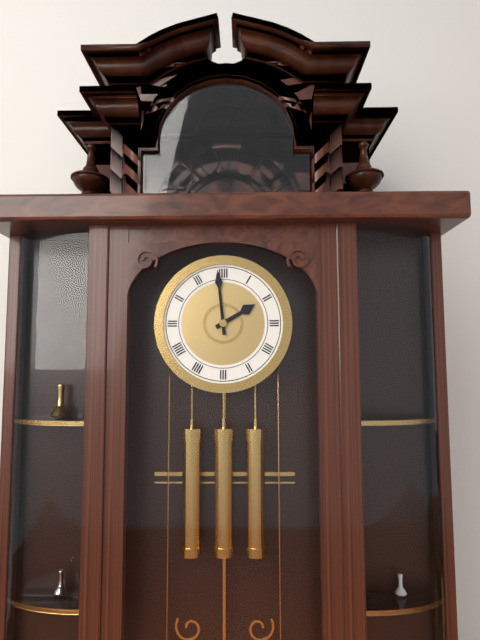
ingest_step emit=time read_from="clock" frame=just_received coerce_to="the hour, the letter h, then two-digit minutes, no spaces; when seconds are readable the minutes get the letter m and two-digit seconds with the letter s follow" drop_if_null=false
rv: 1h59
